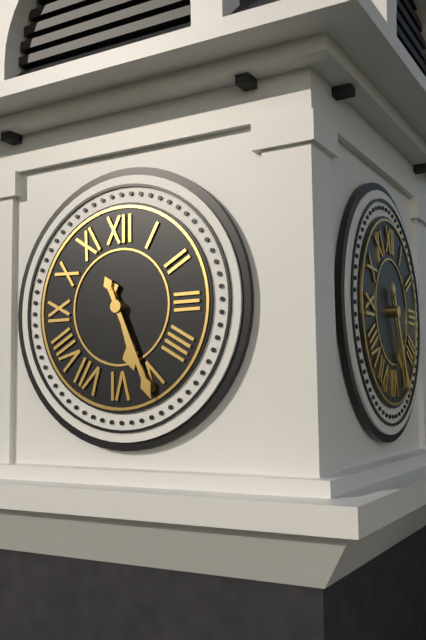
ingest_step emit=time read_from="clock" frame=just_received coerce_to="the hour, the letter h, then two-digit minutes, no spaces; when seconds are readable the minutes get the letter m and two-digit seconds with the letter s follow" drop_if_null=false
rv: 5h26
